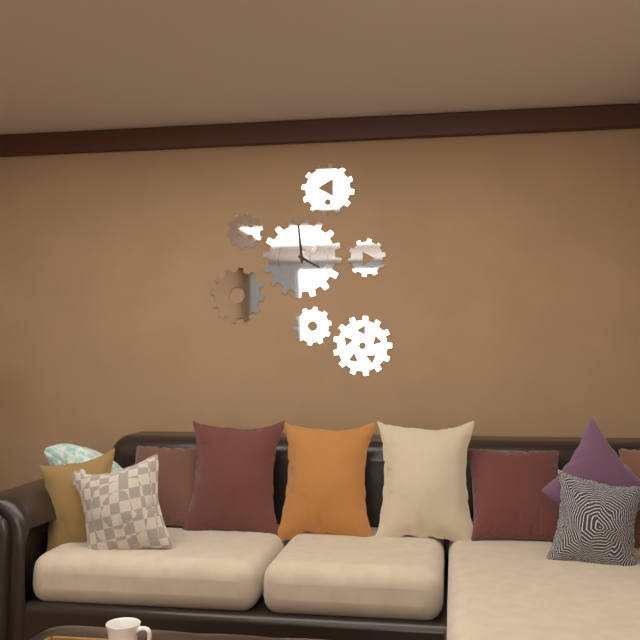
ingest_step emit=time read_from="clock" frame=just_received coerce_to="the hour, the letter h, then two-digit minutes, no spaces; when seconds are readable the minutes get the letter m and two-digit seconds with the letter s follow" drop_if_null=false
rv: 3h59
